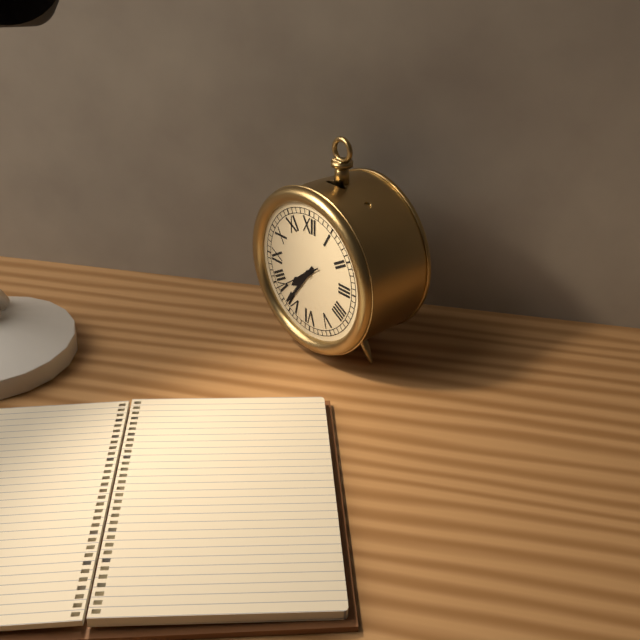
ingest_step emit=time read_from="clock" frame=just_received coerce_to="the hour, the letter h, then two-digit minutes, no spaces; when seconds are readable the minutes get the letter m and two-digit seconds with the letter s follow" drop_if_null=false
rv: 7h36
